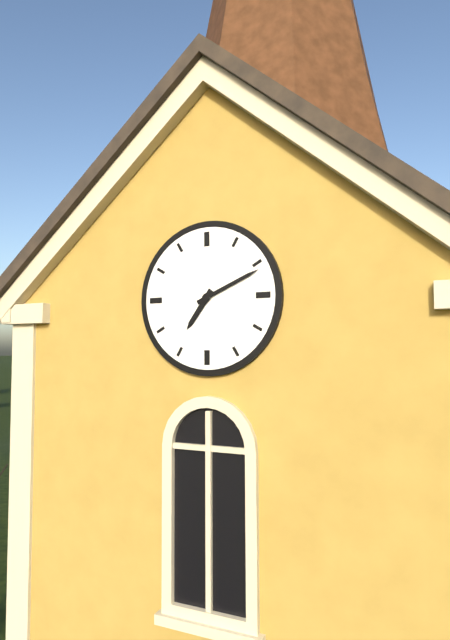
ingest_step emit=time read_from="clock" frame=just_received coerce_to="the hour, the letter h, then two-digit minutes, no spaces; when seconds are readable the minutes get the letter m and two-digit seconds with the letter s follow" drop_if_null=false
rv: 7h11
